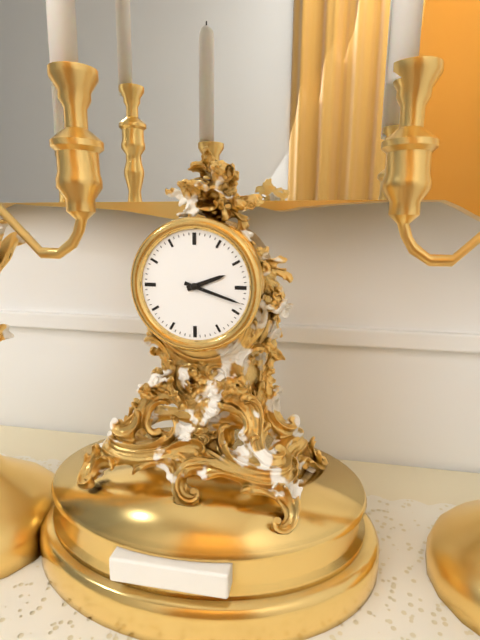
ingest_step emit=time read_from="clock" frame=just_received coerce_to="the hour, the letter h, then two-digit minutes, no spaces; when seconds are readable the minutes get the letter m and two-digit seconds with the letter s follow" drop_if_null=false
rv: 2h18
